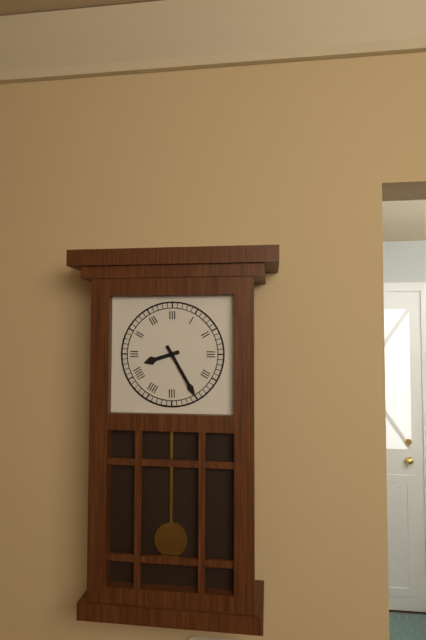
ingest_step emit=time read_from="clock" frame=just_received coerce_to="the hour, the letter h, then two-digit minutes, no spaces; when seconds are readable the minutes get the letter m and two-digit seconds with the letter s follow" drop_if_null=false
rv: 8h25
